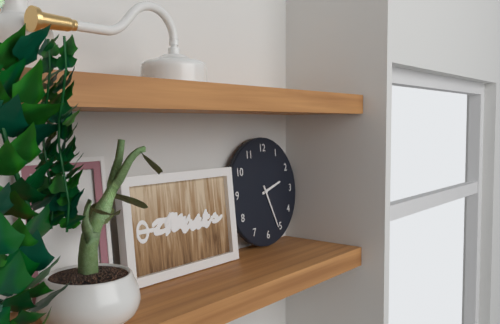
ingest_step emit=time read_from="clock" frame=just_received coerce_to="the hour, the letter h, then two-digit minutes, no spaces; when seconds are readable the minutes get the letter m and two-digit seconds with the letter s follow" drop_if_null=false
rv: 2h26
